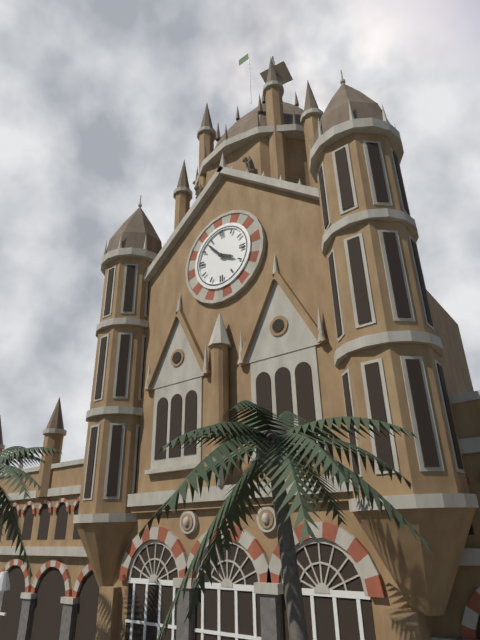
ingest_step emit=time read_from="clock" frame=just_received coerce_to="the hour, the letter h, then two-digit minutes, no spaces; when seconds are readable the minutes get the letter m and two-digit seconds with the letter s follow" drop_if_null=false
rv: 3h53
